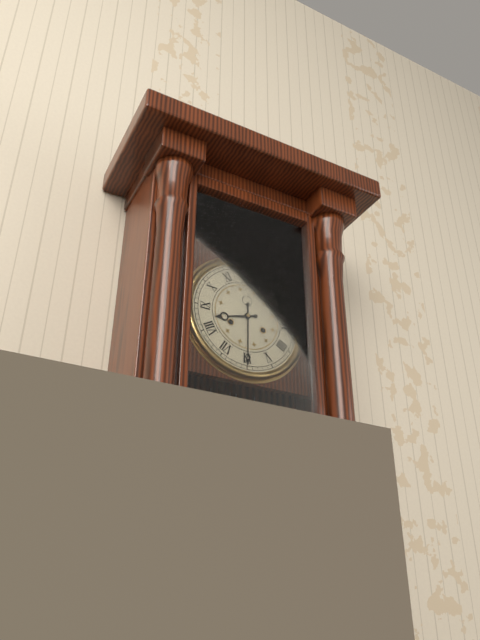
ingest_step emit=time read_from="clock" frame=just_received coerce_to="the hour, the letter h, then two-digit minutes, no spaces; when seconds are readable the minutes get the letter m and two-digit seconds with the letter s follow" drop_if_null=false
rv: 8h30
